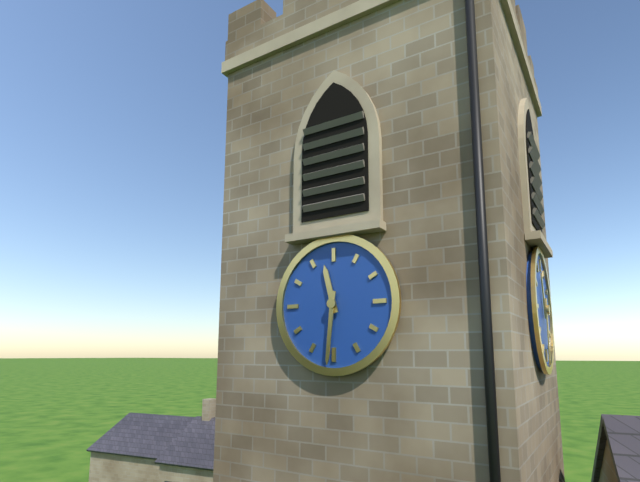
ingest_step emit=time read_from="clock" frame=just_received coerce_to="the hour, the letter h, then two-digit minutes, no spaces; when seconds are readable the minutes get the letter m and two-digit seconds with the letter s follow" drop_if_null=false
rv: 11h31
